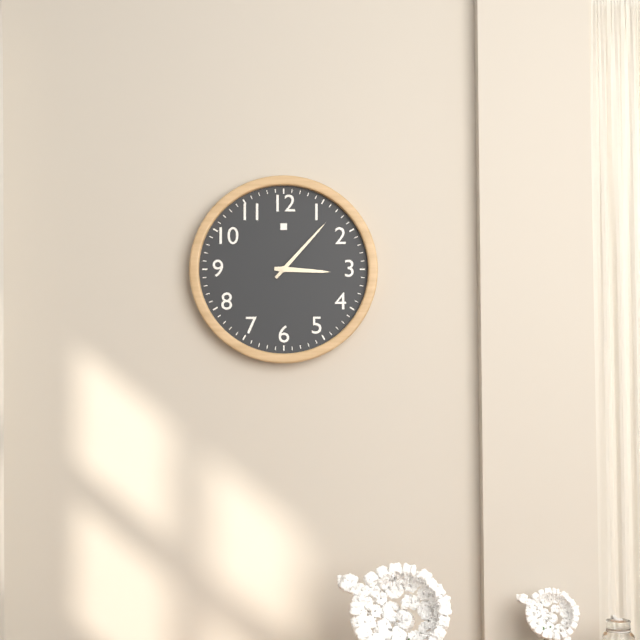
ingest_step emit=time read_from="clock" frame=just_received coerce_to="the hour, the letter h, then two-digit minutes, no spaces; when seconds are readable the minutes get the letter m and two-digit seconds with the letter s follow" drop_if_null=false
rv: 3h07
